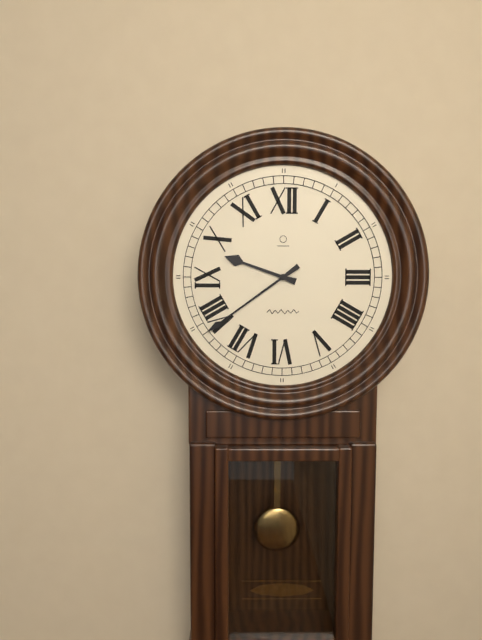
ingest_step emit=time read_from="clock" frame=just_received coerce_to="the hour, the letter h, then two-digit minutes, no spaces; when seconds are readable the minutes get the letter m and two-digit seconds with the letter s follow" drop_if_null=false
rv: 9h39
